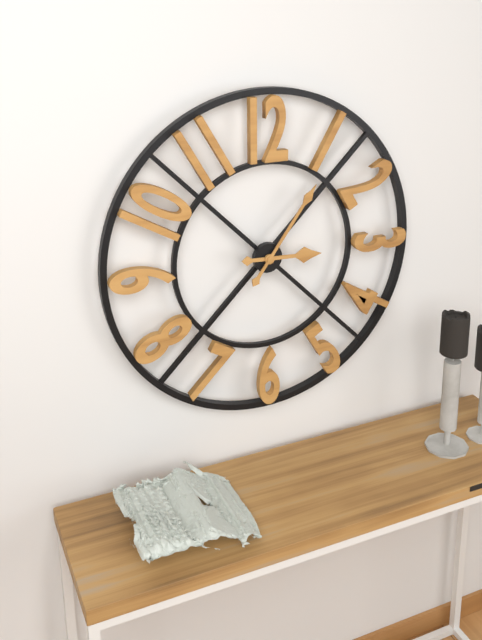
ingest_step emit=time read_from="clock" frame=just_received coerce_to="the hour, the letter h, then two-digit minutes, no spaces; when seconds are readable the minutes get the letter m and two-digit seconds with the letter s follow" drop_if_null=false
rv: 3h06
